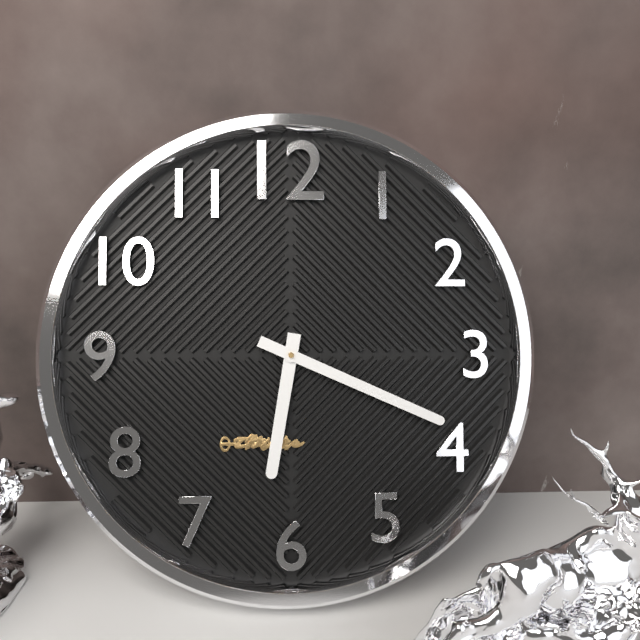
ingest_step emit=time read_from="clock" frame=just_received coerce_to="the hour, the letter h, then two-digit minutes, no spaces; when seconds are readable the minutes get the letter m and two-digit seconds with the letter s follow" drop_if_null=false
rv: 6h19
